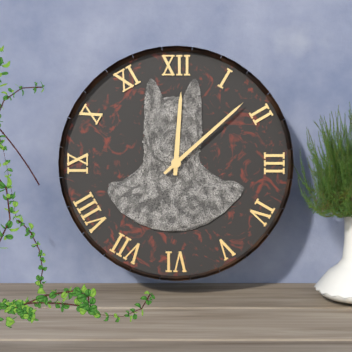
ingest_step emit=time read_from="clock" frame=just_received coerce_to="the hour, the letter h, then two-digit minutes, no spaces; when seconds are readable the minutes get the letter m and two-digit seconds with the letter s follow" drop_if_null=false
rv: 12h08
